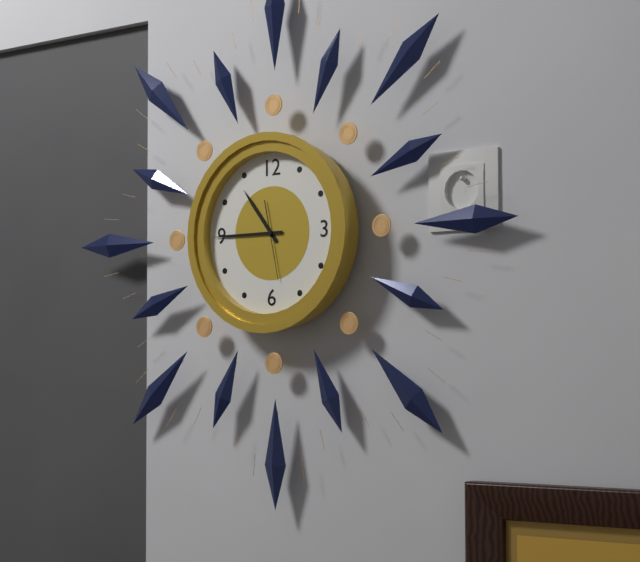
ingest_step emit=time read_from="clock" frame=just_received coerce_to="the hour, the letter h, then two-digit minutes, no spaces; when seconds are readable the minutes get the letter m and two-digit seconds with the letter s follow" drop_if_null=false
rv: 10h45m28s
